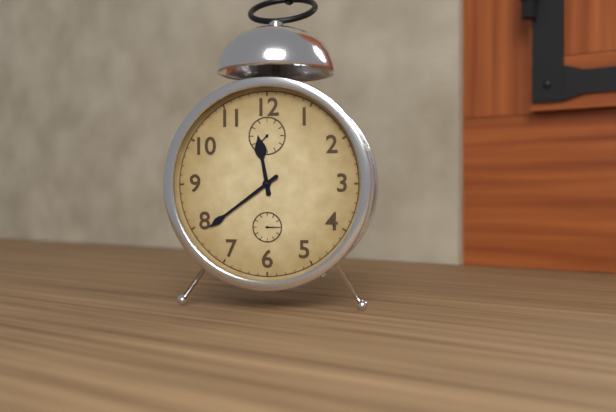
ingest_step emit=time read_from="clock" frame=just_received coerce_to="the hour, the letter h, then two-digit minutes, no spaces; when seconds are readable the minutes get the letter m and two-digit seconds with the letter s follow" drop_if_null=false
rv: 11h39
